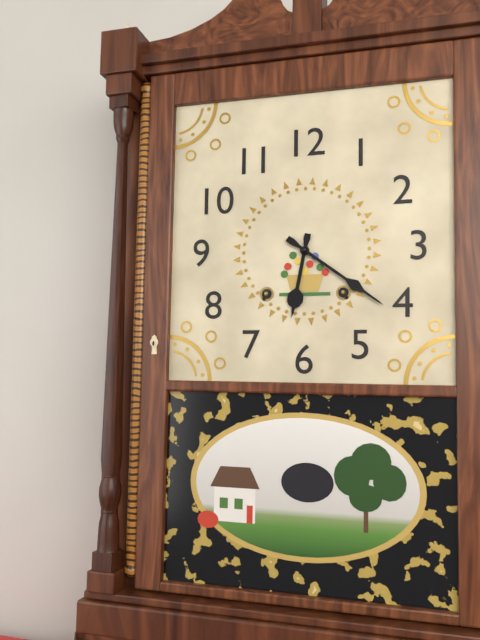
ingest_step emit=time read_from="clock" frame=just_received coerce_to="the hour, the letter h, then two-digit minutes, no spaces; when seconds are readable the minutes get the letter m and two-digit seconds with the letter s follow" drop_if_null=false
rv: 6h21
